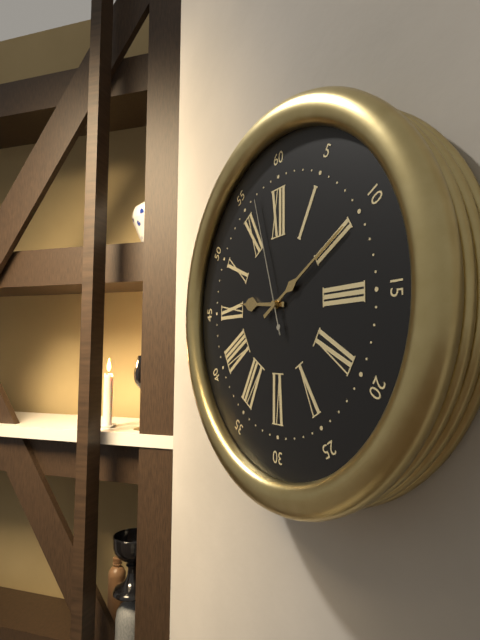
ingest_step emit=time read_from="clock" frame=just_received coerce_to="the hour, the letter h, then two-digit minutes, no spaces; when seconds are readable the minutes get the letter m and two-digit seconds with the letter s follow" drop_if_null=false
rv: 9h10m57s
